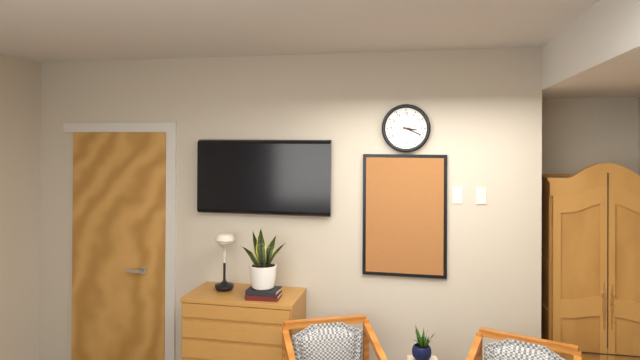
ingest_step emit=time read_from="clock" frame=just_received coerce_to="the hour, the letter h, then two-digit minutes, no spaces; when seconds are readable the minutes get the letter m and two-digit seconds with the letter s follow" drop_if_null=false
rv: 3h19
